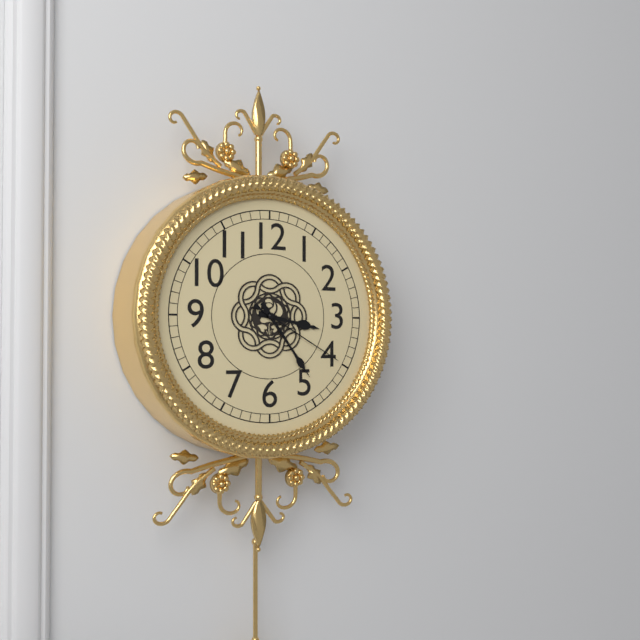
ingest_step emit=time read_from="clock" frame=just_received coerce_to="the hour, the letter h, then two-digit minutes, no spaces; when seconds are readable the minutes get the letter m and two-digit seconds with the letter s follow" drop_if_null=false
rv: 3h24m20s
